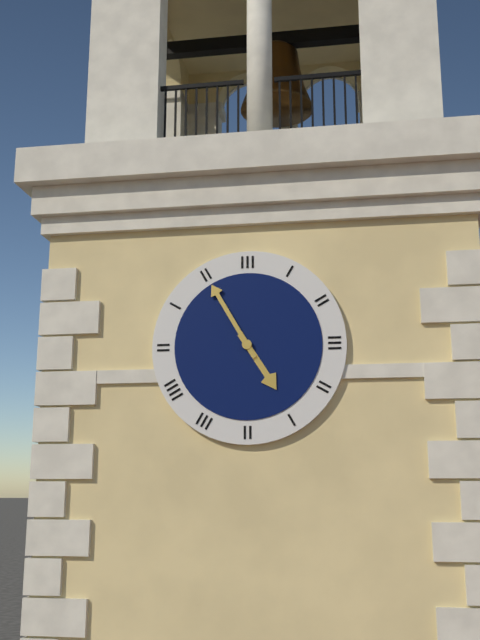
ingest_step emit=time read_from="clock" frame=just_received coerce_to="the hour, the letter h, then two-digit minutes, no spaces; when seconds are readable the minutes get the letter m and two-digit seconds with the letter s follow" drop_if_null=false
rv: 4h55
